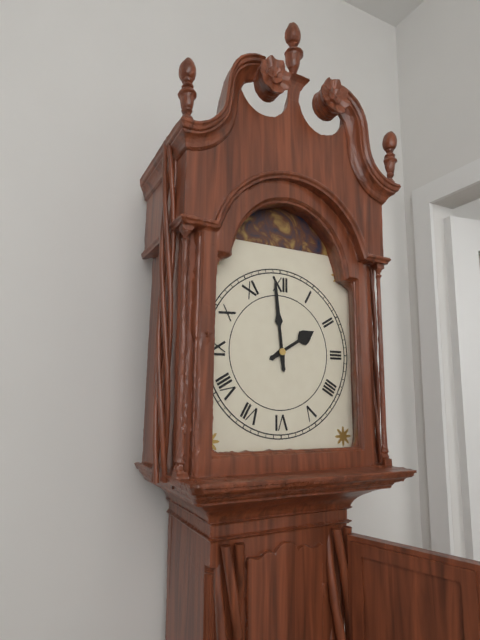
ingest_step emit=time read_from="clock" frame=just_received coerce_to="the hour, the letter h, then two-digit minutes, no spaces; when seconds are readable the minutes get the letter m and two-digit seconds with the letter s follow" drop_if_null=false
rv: 1h59
